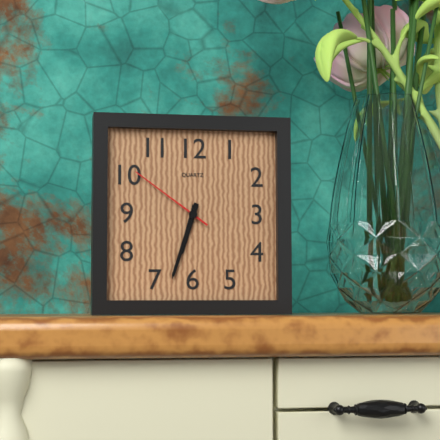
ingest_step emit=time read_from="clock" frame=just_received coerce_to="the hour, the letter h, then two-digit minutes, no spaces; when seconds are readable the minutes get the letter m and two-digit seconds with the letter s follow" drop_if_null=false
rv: 6h33m51s
